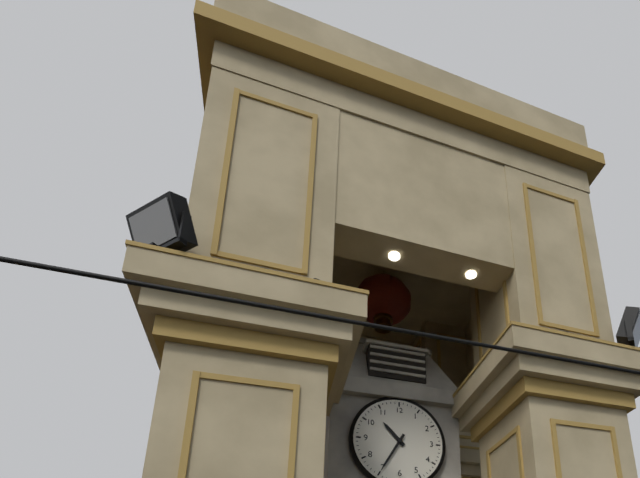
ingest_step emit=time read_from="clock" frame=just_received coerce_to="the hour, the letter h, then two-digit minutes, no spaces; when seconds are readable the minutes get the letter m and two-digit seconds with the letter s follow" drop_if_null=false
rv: 10h35
